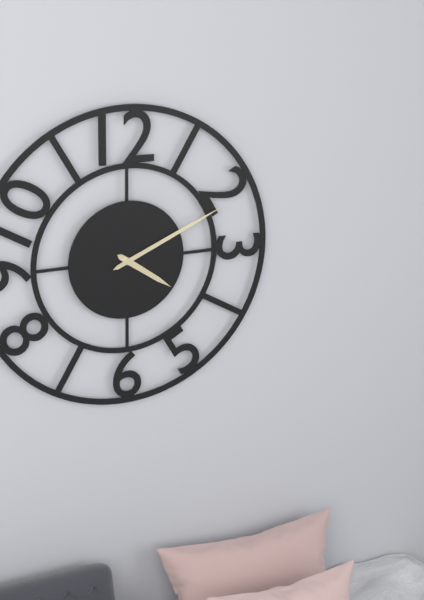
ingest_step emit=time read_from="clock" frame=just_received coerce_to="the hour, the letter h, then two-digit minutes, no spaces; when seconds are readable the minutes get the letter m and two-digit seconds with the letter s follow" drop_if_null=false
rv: 4h11
